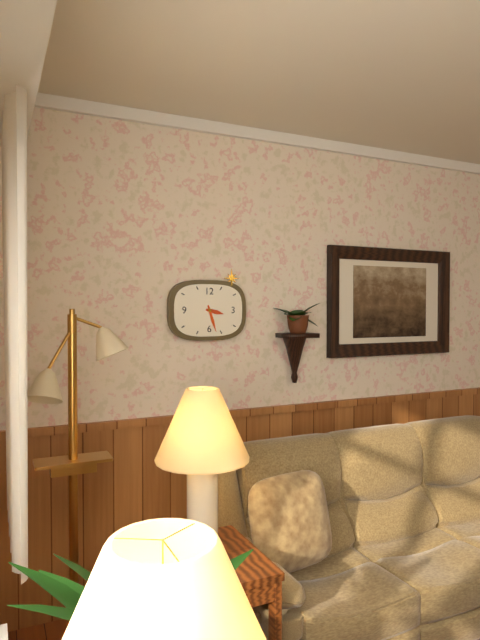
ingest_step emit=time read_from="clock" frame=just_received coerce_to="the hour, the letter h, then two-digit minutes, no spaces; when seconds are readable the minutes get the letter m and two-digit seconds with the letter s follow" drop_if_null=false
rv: 3h27
